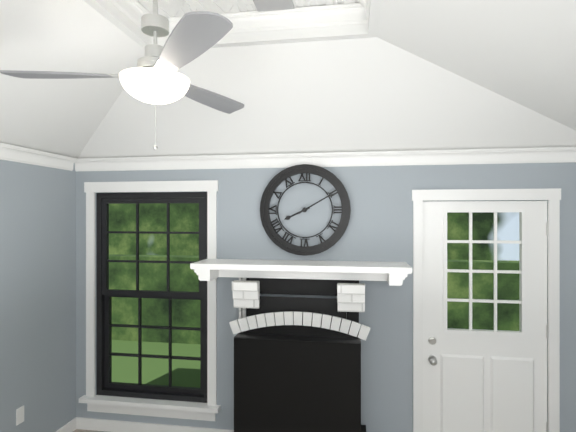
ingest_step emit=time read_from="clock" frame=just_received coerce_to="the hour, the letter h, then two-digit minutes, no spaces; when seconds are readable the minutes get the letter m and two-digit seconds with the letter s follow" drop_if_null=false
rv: 8h10
